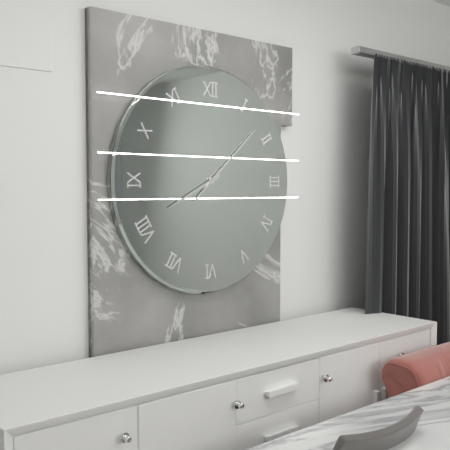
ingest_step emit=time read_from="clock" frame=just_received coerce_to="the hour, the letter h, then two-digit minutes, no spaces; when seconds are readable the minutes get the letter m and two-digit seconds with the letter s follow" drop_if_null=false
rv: 8h08
